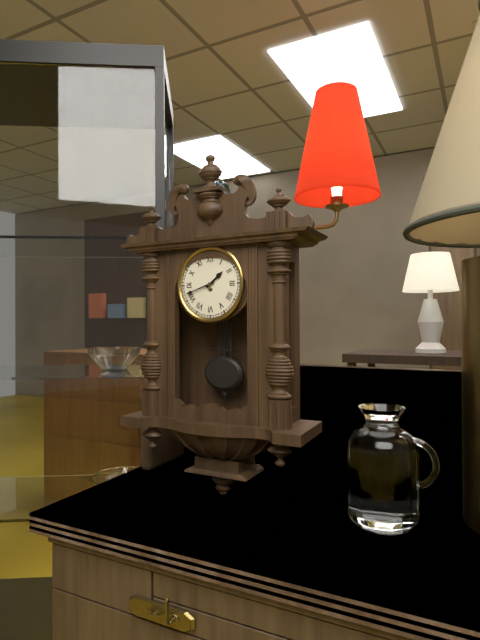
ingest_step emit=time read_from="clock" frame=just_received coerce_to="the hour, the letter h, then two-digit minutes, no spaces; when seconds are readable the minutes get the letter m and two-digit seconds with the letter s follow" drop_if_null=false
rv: 1h42
